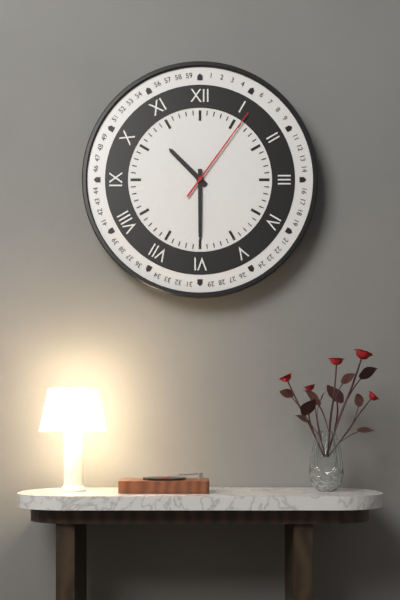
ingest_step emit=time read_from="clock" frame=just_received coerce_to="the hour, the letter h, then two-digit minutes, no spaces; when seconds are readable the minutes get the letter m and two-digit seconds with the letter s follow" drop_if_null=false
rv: 10h30m06s
